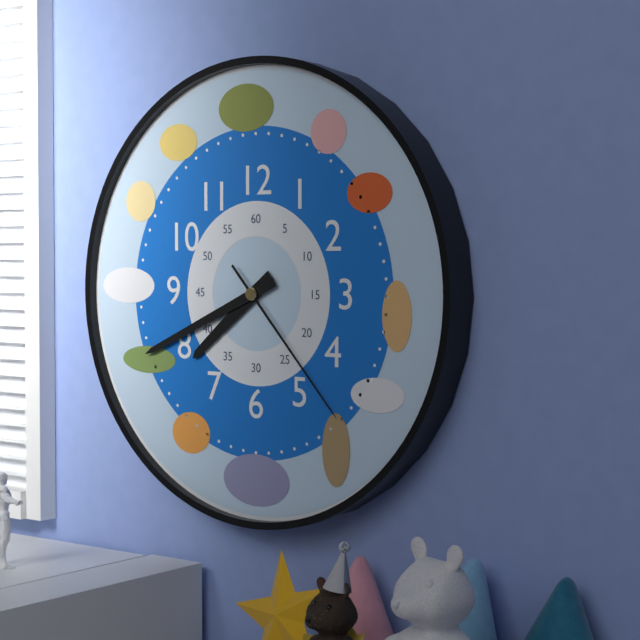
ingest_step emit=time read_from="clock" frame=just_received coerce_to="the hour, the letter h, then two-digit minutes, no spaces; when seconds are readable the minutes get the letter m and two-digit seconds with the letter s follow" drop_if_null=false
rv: 7h41m23s
